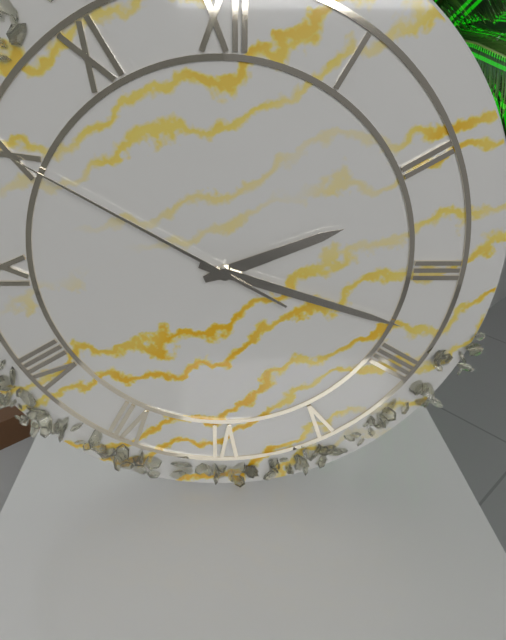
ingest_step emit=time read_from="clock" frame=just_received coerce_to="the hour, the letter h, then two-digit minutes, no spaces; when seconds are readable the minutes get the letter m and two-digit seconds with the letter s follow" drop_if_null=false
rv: 2h18m50s
